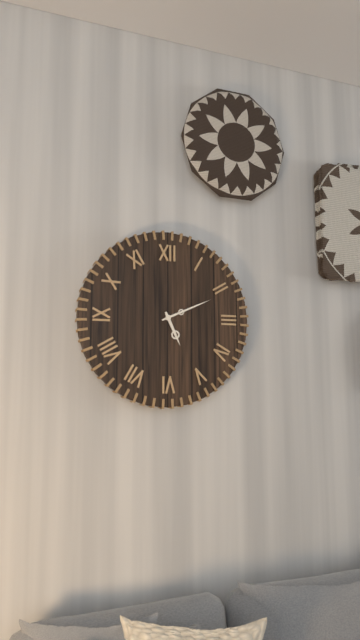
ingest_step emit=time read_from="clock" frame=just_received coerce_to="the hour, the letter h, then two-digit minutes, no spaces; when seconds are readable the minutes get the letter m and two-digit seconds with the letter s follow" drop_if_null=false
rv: 5h11
